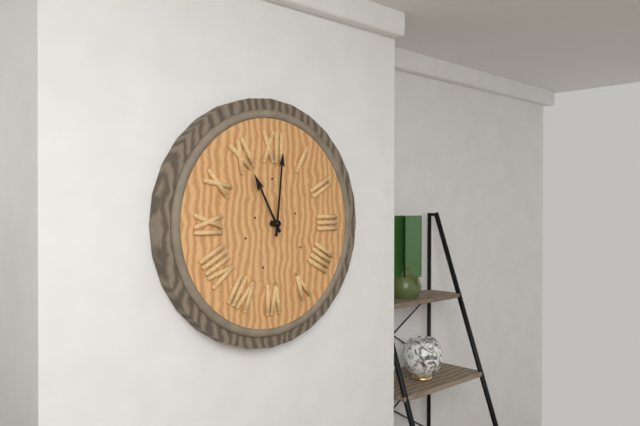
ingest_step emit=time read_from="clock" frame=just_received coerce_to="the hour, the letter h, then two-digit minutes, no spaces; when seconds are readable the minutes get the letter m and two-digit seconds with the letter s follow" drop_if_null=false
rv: 11h01
